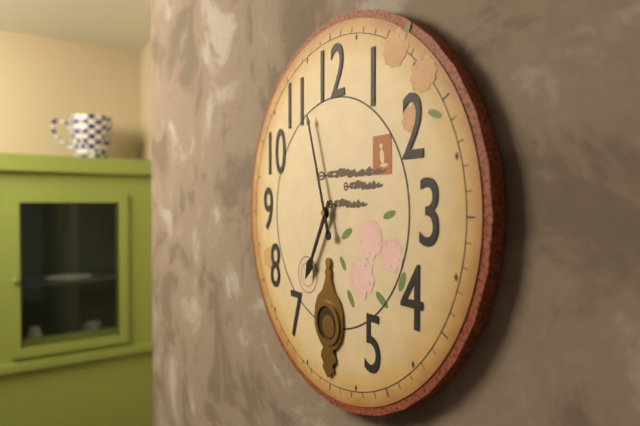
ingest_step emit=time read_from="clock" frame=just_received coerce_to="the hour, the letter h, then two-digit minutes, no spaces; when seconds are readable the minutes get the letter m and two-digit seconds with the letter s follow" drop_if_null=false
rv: 6h57
